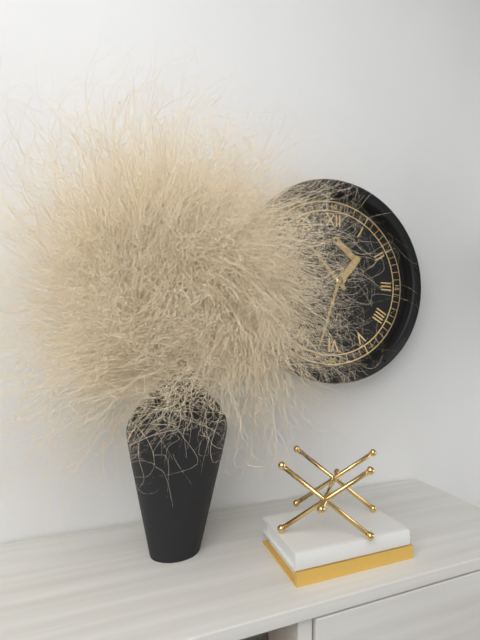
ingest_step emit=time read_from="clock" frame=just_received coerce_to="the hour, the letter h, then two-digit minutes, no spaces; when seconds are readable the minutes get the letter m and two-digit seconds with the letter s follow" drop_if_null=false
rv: 10h33
